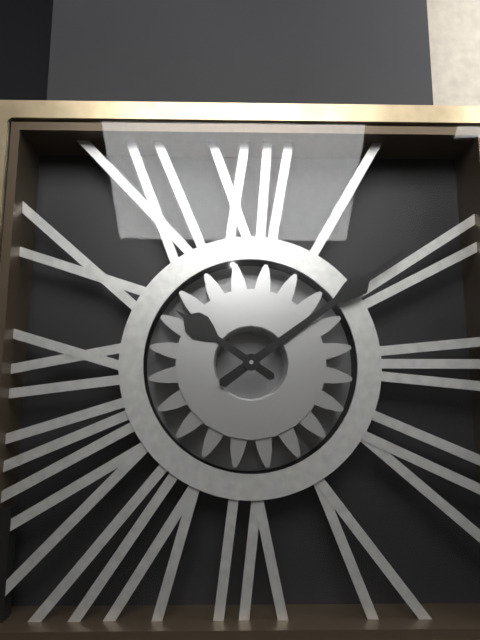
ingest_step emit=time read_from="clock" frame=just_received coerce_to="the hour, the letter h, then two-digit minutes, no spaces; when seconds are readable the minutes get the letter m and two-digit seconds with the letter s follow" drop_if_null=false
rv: 10h09
